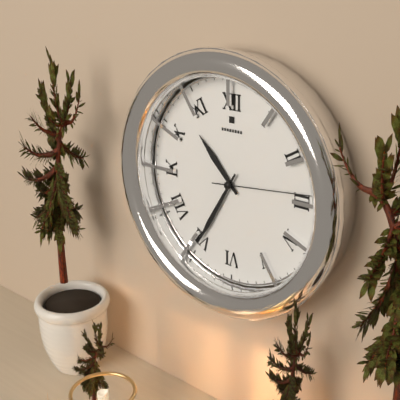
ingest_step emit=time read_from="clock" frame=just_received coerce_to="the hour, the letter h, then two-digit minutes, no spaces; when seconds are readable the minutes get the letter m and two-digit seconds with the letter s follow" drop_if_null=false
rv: 10h35m14s
